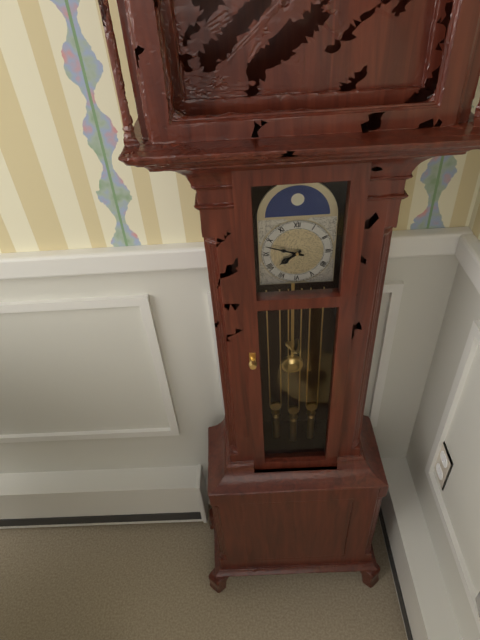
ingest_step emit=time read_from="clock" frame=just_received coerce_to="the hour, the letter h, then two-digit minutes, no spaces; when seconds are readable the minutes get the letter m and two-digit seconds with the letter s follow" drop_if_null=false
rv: 7h48
